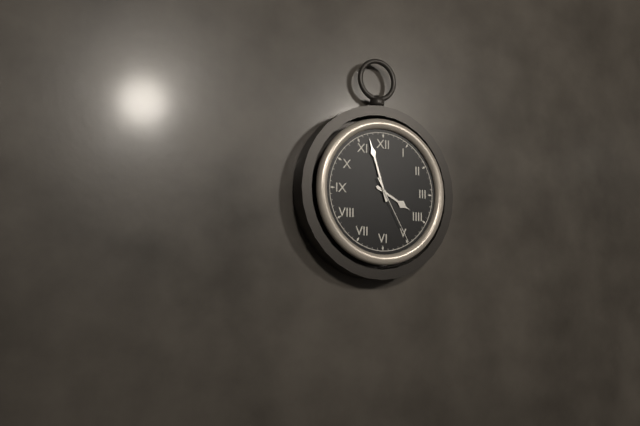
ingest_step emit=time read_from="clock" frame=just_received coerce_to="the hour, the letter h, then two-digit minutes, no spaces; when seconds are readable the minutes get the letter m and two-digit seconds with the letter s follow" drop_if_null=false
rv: 3h57m25s
